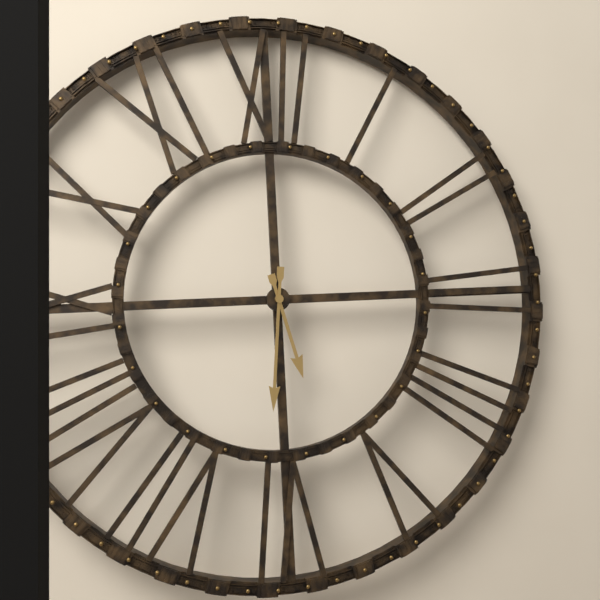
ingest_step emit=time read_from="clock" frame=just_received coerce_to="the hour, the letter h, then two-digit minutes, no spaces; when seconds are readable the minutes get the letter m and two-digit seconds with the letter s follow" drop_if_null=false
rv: 5h31
